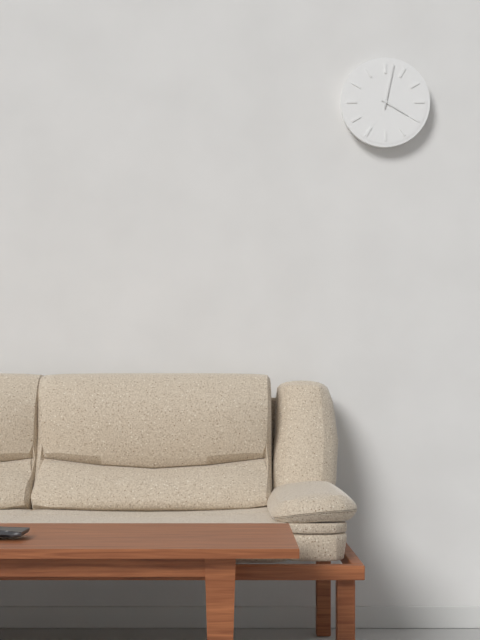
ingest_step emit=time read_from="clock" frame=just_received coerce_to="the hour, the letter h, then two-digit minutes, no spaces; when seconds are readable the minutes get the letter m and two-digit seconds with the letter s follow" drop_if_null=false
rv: 4h02
